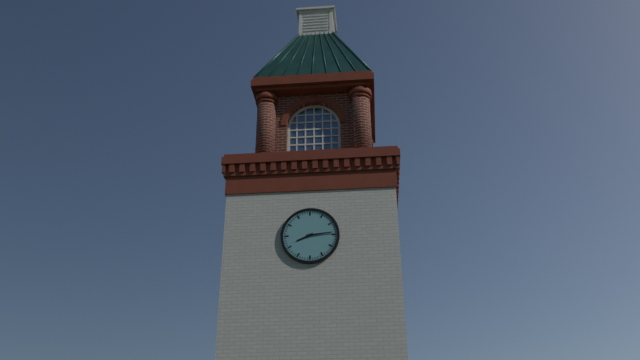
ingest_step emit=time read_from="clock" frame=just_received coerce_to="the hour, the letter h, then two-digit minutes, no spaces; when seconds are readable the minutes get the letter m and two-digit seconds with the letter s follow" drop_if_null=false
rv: 8h14
